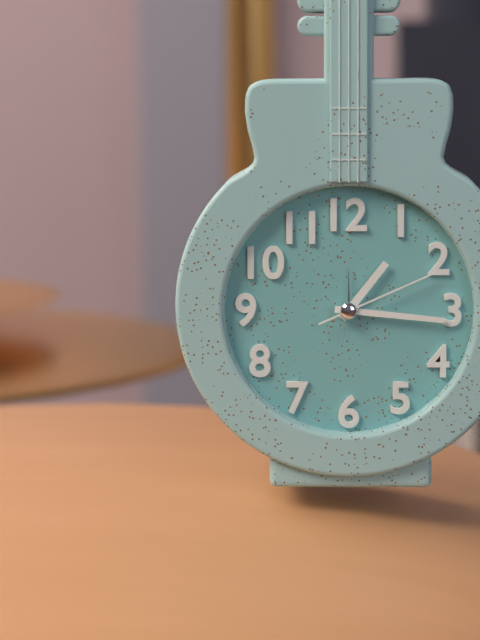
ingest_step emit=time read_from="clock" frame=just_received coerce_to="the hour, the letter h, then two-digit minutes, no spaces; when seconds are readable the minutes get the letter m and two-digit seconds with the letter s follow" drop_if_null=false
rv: 1h16m11s
